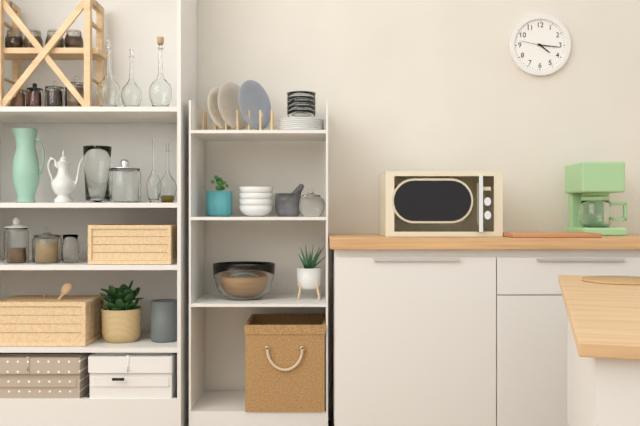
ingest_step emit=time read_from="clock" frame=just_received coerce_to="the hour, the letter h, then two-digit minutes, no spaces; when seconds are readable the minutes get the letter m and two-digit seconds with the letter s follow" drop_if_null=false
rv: 4h16
